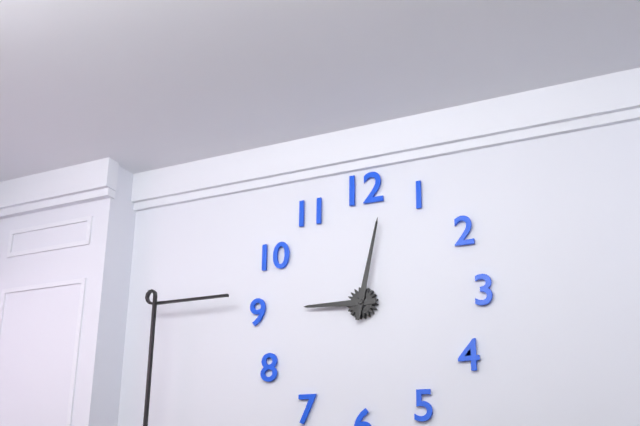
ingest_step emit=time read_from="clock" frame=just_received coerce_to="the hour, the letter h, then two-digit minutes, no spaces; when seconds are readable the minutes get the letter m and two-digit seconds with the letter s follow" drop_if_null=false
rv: 9h02
